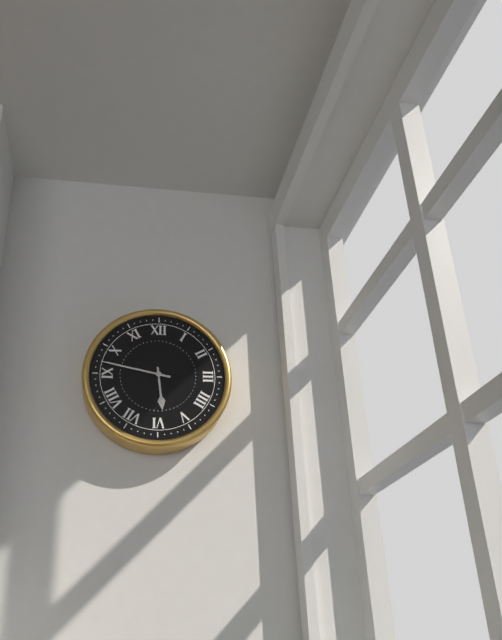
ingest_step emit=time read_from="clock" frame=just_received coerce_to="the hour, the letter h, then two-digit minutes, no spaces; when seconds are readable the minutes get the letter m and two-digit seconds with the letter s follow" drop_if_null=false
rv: 5h47
